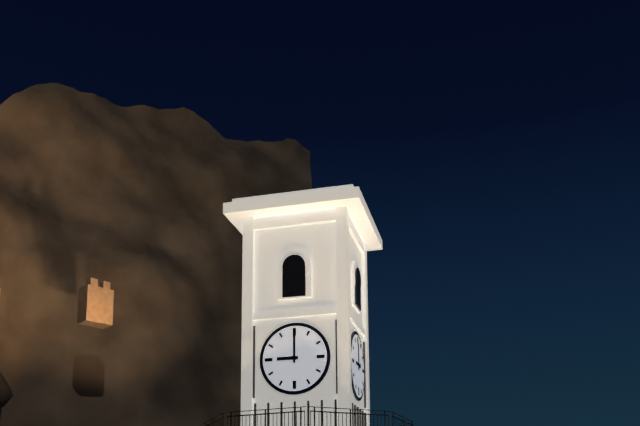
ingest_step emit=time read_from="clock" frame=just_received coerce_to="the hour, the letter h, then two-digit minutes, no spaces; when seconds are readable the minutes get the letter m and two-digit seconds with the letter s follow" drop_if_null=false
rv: 9h00
